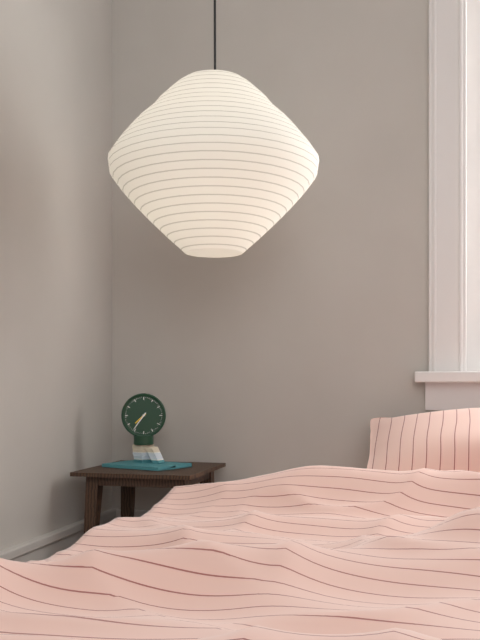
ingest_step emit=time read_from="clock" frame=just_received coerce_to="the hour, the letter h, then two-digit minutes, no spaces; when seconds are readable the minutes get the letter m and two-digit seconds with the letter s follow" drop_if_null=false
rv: 7h36
